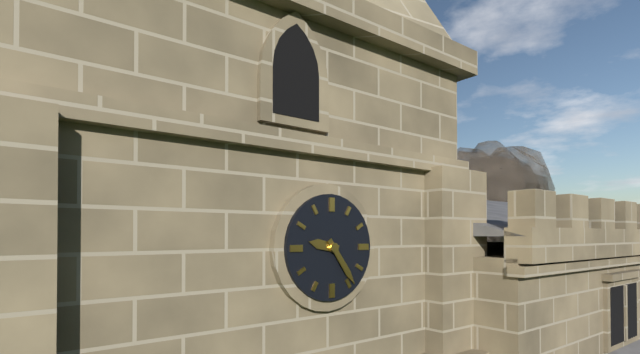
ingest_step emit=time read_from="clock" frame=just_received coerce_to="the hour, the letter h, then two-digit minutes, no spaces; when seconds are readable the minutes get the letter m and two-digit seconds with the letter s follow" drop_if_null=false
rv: 9h24
